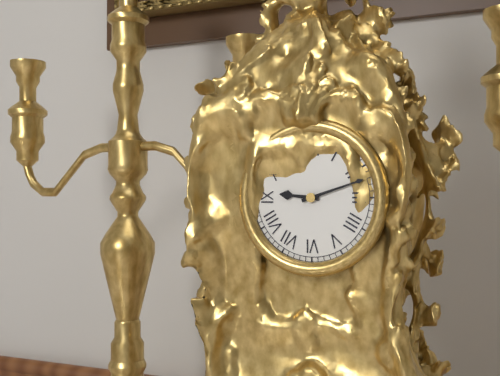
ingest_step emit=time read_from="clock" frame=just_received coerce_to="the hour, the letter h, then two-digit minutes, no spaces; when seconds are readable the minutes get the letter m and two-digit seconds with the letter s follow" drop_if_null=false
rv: 9h12
